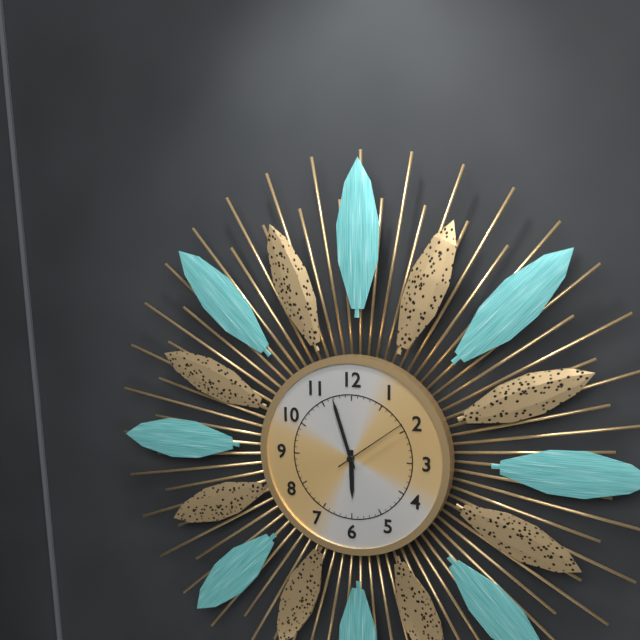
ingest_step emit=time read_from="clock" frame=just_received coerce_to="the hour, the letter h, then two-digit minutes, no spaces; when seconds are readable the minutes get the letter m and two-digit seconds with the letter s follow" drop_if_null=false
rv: 5h57m09s
